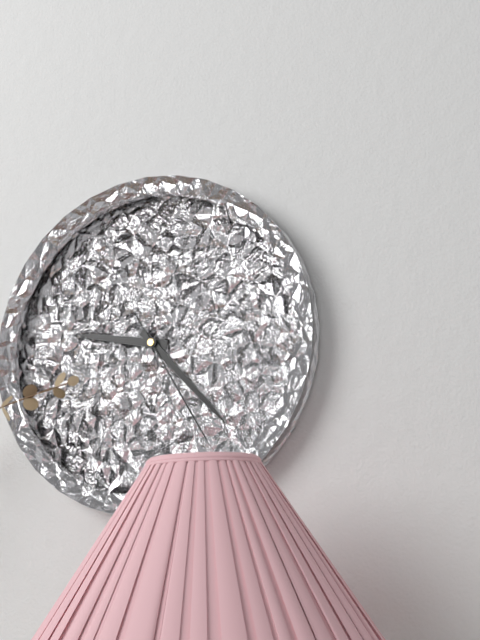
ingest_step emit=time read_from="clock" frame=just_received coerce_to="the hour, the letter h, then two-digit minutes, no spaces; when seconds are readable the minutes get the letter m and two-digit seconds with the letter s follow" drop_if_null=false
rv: 9h23m25s
